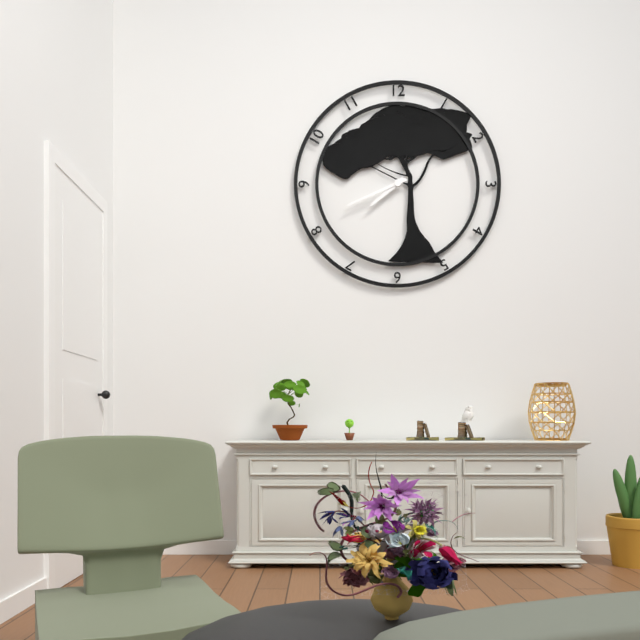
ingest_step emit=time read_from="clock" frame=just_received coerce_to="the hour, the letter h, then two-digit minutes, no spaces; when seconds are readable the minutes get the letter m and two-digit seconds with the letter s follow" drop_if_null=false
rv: 7h41
